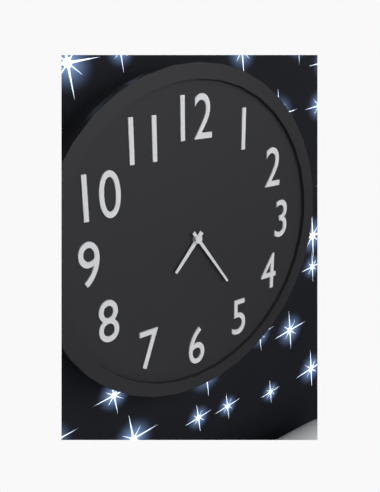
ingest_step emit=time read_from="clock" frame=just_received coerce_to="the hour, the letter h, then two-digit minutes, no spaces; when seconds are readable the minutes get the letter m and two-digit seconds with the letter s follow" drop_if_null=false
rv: 7h24
